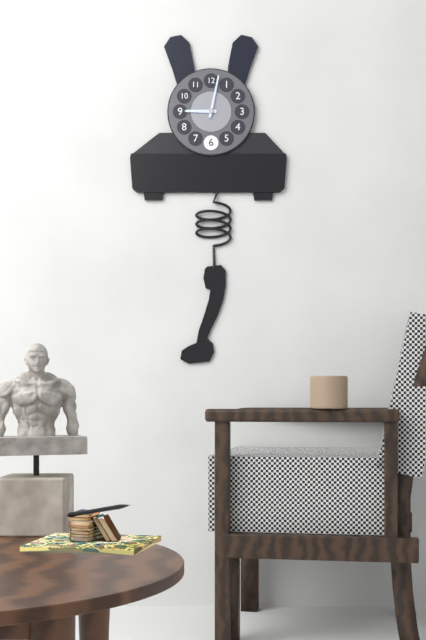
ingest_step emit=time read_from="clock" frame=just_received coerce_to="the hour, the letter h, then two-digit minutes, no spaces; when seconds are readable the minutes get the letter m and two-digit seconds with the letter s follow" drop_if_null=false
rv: 9h02
